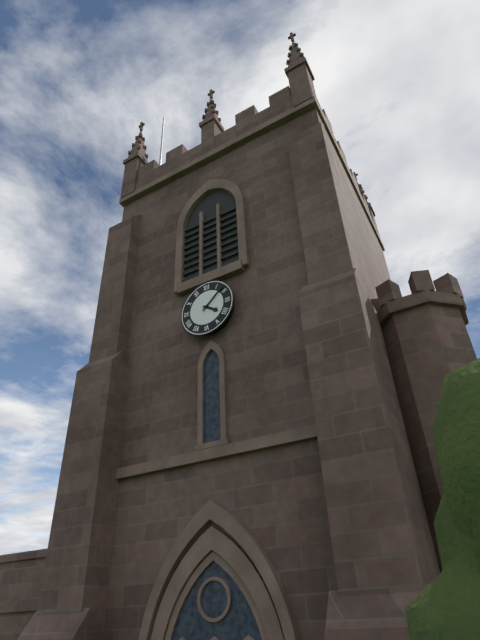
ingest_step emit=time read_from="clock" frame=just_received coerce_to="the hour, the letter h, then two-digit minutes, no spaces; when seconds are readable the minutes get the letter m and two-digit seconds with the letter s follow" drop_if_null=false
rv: 4h08
